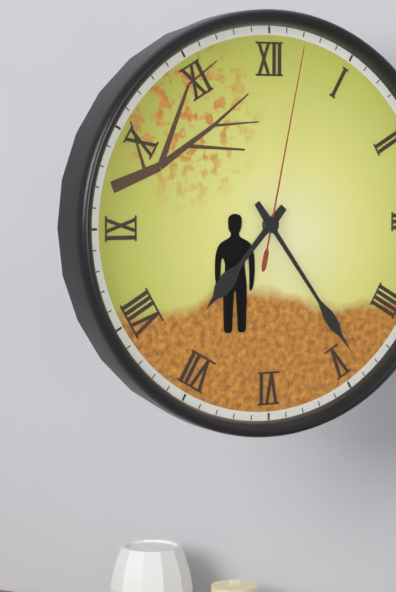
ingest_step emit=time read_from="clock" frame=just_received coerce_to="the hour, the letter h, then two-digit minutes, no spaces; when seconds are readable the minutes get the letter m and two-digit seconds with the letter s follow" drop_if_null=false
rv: 7h24m02s
